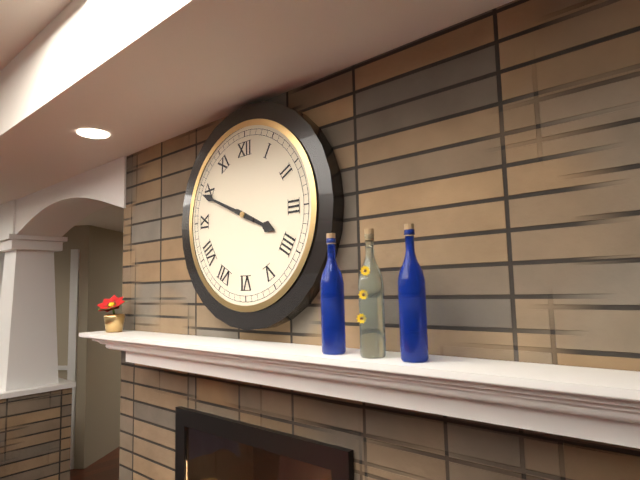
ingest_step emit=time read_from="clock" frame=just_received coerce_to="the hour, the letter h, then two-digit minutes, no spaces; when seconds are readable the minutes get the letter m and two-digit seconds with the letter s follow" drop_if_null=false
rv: 3h49
